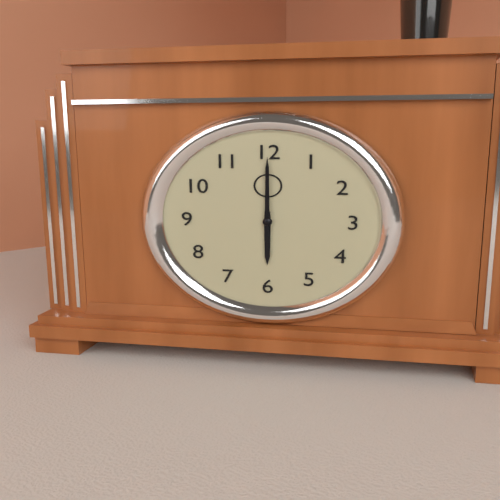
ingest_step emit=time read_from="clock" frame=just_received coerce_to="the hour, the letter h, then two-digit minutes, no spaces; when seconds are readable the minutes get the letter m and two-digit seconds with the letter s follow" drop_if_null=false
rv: 6h00
